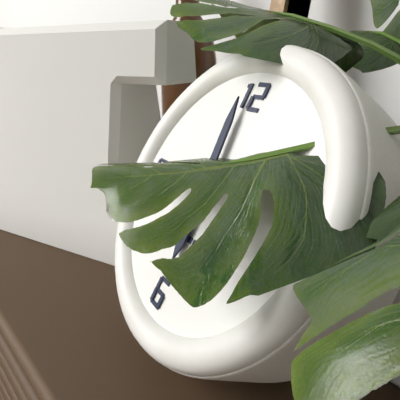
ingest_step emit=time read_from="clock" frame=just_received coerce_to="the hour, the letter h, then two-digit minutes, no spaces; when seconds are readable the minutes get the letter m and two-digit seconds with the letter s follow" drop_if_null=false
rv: 5h59
